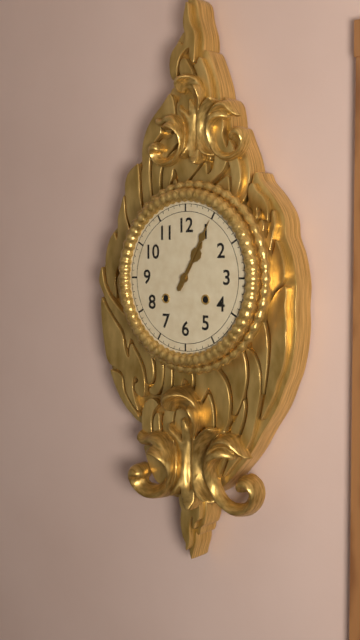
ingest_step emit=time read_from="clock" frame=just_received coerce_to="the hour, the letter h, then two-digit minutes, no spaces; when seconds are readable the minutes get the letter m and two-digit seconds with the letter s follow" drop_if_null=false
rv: 1h05
